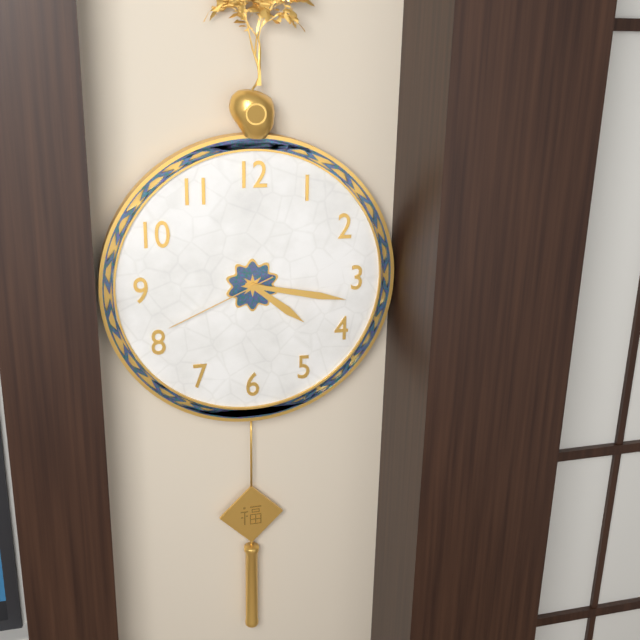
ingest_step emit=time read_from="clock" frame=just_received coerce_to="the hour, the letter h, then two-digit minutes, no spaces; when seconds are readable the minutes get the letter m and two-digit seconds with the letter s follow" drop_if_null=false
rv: 4h17m41s
